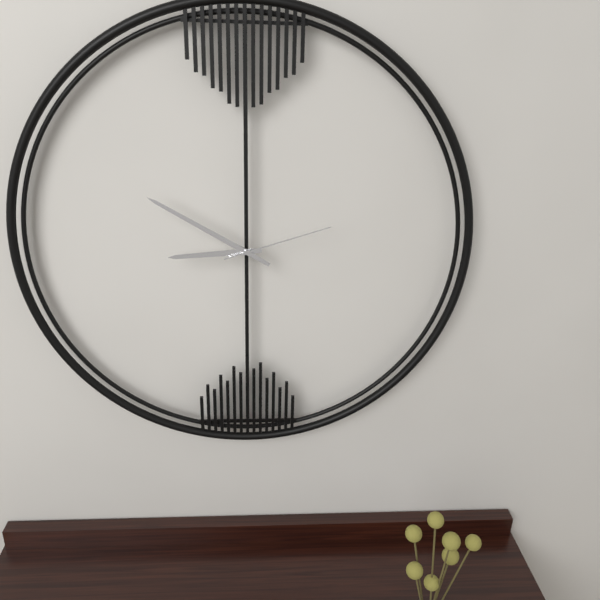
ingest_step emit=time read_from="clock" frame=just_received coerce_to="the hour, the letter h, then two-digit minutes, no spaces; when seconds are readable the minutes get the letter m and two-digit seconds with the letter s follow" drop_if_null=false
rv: 8h50m12s
